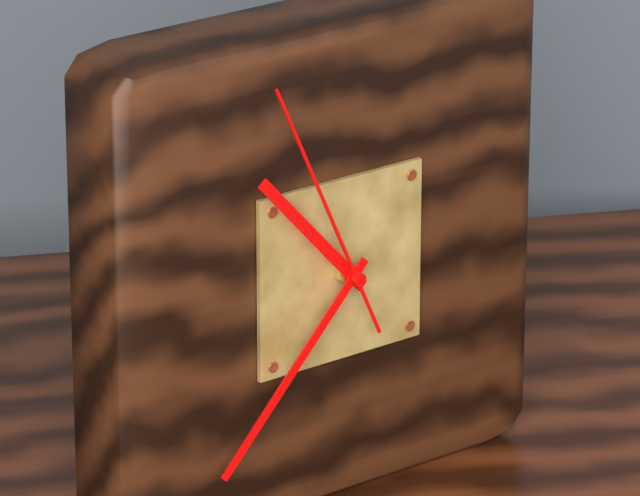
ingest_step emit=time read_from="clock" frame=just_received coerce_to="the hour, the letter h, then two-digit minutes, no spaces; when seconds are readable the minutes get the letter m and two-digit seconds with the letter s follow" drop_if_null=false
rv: 10h37m56s
